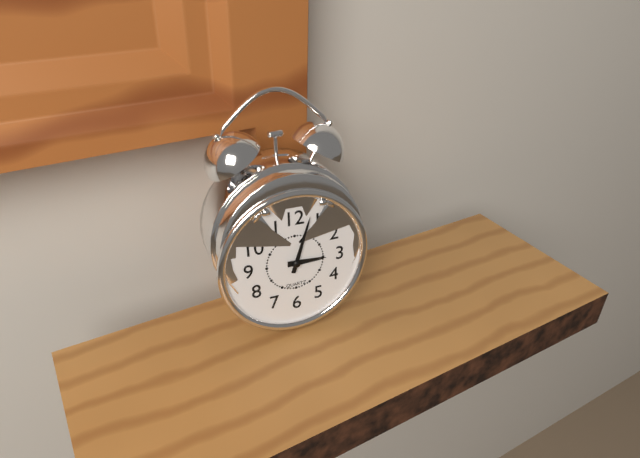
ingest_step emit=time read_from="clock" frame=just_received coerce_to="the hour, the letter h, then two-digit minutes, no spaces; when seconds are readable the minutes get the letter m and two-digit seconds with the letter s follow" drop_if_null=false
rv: 3h03
